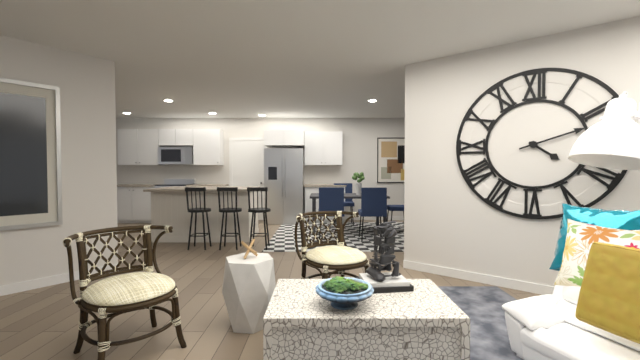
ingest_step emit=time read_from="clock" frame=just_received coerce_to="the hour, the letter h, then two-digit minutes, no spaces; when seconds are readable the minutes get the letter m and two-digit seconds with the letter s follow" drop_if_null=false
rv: 4h12
